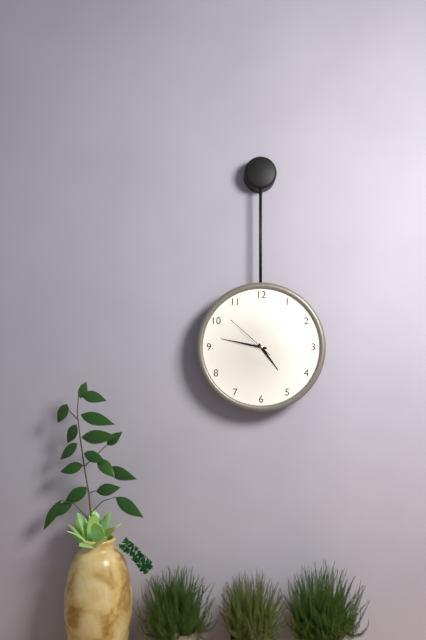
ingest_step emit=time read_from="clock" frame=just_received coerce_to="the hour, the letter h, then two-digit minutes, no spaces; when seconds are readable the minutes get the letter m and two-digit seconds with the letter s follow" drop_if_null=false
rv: 4h47m52s
